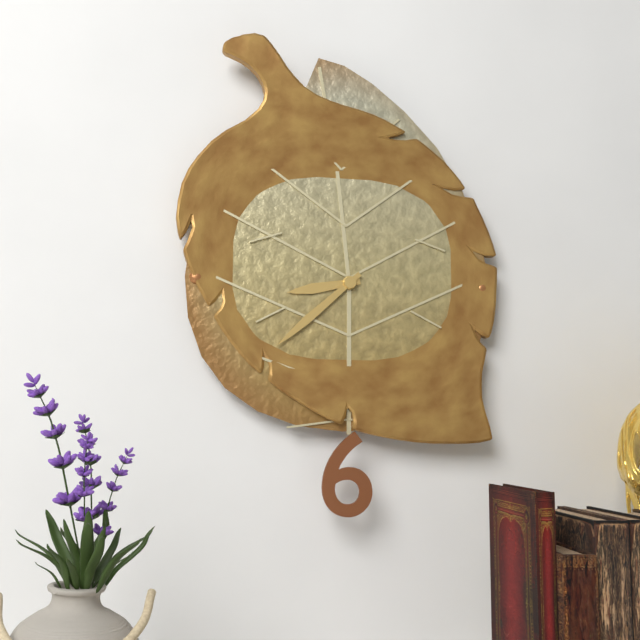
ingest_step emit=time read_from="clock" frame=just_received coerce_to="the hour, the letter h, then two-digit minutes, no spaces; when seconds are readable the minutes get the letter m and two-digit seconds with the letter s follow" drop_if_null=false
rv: 8h38
